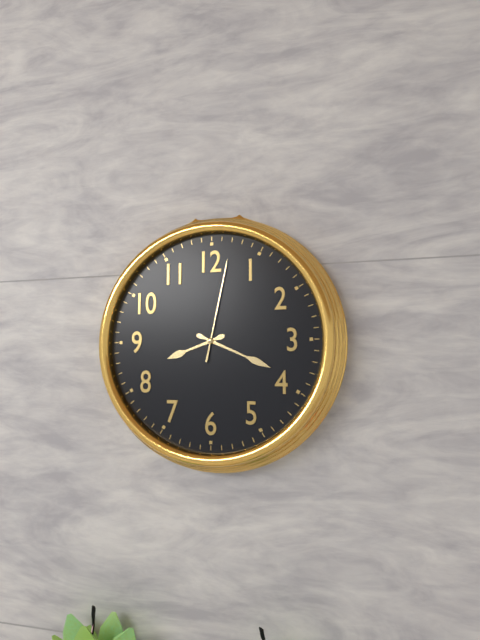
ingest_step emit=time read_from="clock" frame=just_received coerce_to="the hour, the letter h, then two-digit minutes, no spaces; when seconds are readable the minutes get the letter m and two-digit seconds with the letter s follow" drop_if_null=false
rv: 8h19m02s
